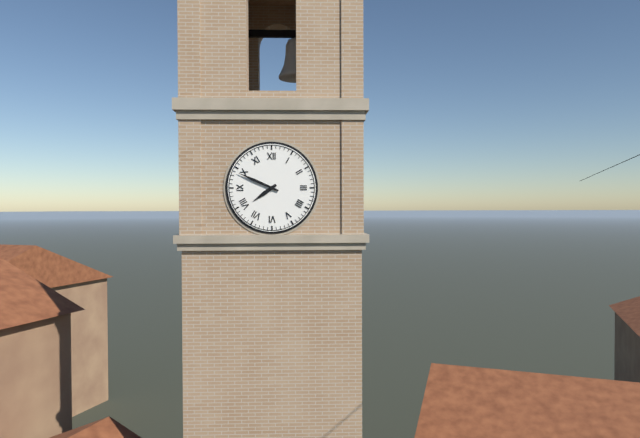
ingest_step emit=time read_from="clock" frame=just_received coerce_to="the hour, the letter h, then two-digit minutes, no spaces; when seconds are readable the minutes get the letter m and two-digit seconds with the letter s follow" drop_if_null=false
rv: 7h49
